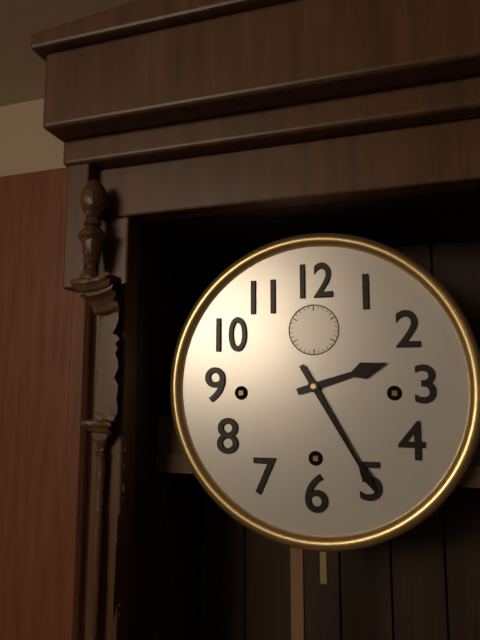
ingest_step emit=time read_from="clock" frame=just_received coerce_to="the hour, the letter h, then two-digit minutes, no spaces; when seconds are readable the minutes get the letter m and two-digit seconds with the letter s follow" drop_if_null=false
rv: 2h25
